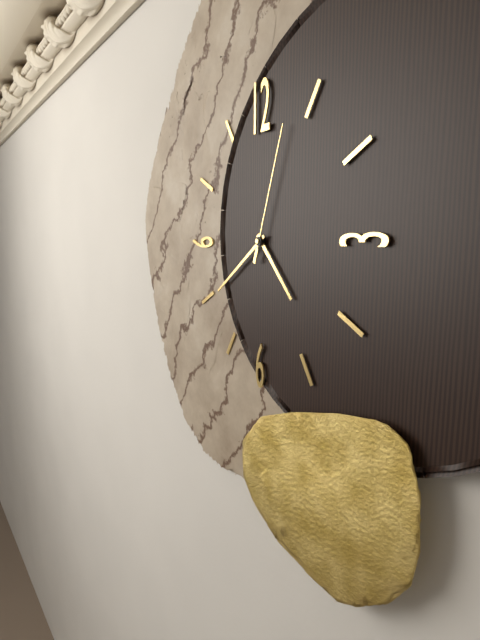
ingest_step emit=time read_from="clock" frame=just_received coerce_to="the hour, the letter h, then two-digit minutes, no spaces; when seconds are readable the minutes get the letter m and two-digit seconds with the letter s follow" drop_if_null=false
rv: 4h39m03s
